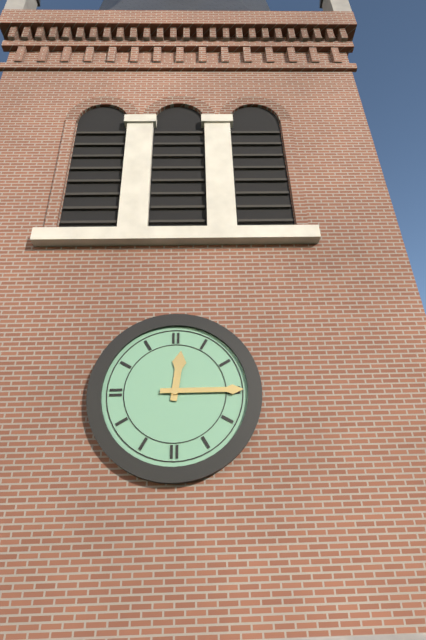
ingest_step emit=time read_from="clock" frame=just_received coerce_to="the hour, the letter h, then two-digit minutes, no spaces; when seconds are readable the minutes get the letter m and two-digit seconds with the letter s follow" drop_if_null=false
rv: 12h15
